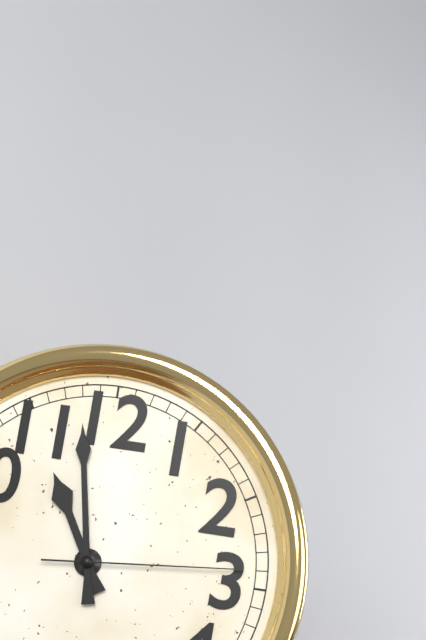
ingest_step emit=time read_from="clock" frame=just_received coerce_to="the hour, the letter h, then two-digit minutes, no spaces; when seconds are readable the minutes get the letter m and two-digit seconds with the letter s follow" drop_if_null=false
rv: 10h58m14s
